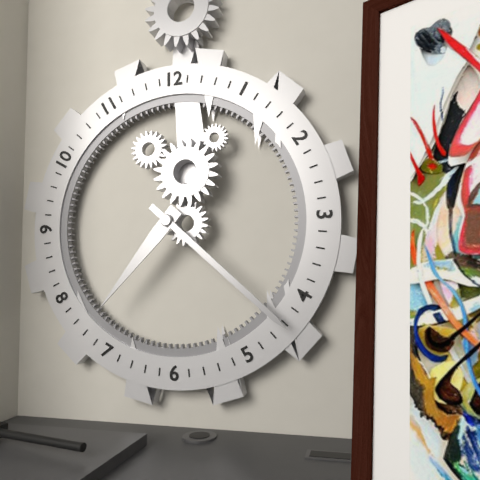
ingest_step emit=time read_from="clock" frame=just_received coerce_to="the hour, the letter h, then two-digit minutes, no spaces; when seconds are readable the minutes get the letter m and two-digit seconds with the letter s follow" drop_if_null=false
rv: 7h22
